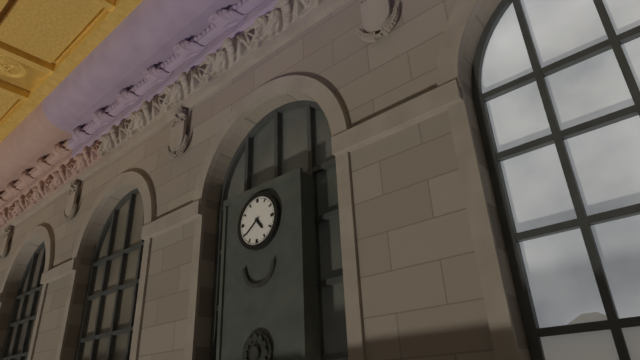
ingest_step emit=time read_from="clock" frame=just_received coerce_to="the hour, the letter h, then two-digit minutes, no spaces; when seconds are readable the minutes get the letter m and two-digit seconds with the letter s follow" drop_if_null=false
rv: 4h39
